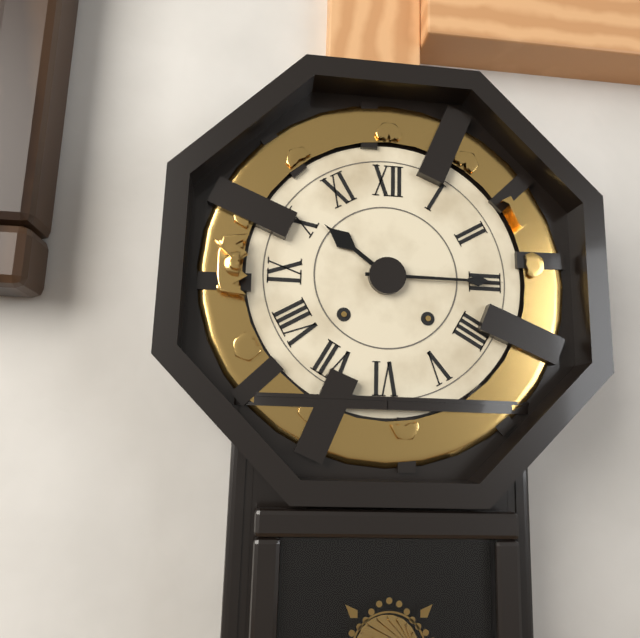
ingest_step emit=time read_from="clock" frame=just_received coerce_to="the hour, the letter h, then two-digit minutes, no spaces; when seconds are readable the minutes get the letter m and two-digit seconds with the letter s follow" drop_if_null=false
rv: 10h15
